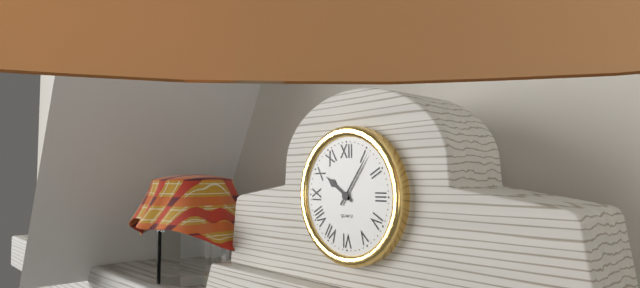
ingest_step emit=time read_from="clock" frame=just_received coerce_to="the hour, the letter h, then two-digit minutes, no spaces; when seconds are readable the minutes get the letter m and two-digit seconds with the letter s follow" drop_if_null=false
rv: 10h06
